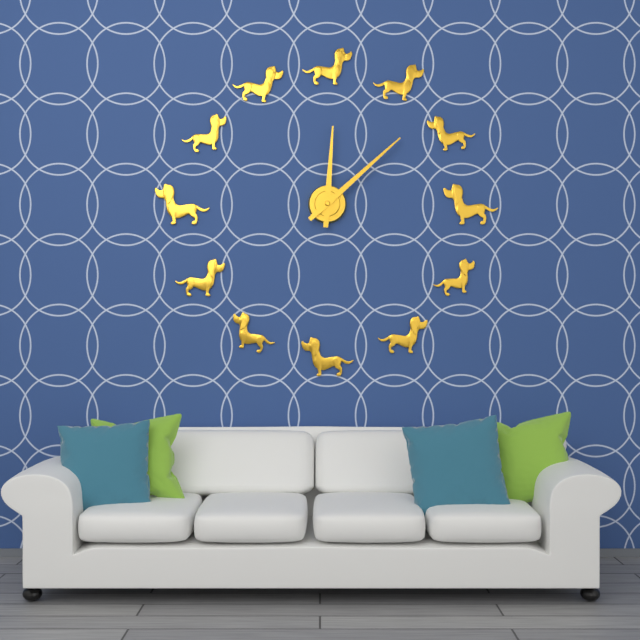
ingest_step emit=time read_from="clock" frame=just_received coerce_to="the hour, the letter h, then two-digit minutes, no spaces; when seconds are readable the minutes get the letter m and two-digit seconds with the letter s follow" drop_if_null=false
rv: 12h08
